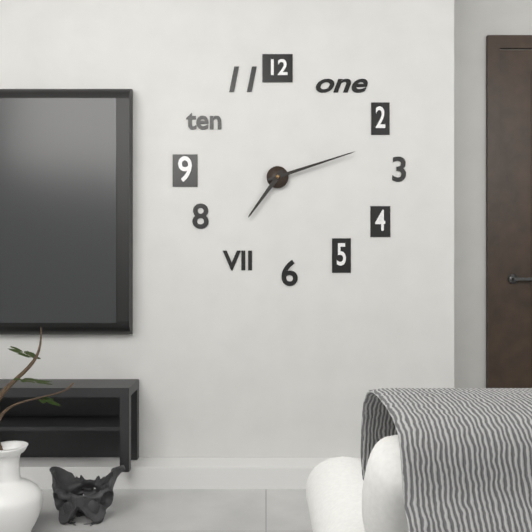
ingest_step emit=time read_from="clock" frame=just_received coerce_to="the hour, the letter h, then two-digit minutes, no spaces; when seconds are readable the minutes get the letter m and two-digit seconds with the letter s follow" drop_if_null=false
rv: 7h12
